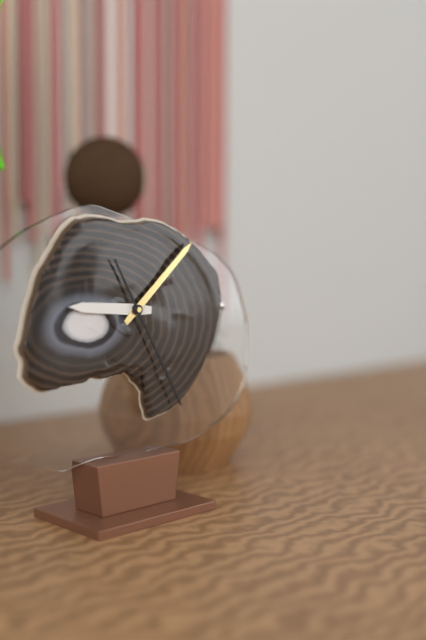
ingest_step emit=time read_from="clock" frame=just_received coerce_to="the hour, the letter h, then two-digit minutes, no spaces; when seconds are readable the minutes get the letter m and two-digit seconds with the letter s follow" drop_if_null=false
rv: 9h08m25s
